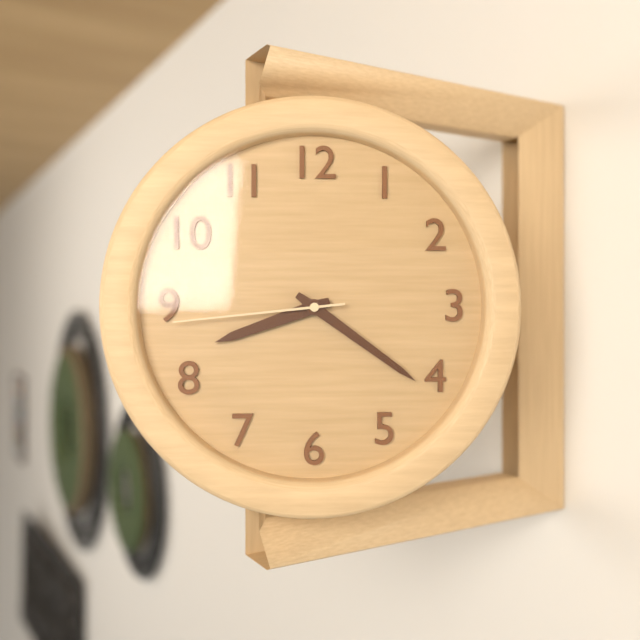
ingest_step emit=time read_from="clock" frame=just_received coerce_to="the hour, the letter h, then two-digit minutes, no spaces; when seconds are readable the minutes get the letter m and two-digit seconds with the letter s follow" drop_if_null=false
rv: 8h21m44s
